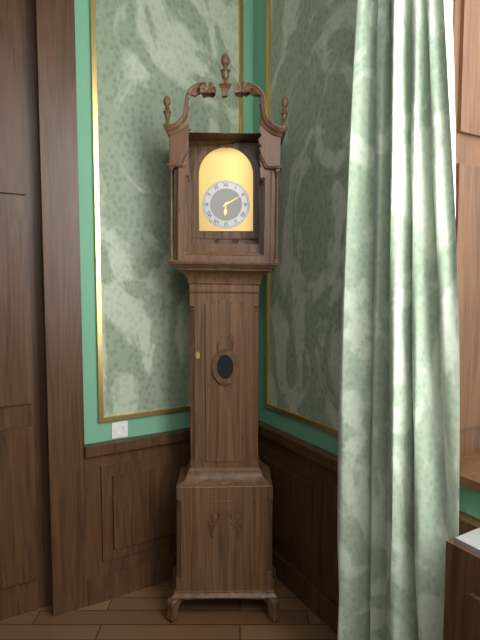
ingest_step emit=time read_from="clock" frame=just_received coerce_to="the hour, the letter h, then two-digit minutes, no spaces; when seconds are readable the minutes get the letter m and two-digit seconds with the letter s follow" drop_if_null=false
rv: 6h10
